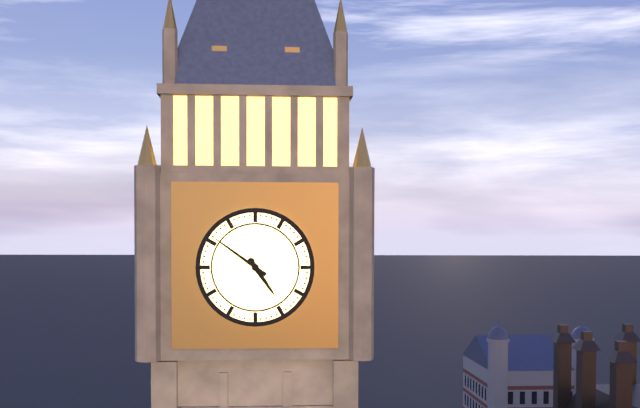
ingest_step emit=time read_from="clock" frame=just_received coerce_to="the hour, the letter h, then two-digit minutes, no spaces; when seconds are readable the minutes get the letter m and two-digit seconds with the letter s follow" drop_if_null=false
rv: 4h51
